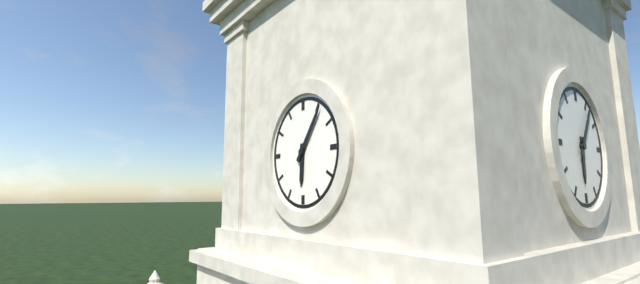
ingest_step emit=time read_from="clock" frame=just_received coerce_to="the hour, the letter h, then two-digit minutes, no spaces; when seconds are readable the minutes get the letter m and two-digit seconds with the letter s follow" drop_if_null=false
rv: 6h06
